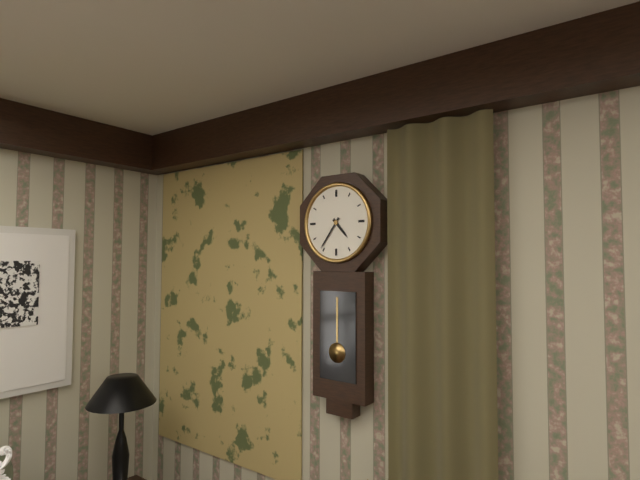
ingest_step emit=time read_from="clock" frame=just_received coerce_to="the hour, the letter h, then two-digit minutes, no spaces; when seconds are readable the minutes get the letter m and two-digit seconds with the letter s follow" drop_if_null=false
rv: 4h36
